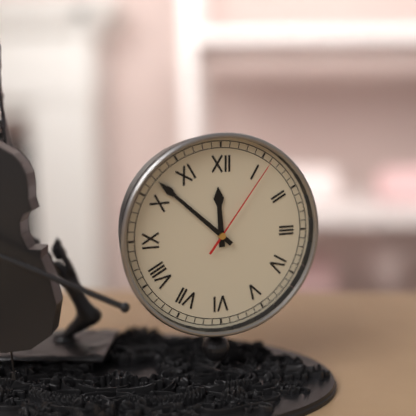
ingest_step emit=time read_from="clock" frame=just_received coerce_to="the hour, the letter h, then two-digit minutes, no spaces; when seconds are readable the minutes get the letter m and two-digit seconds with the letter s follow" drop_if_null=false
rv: 11h52m06s
